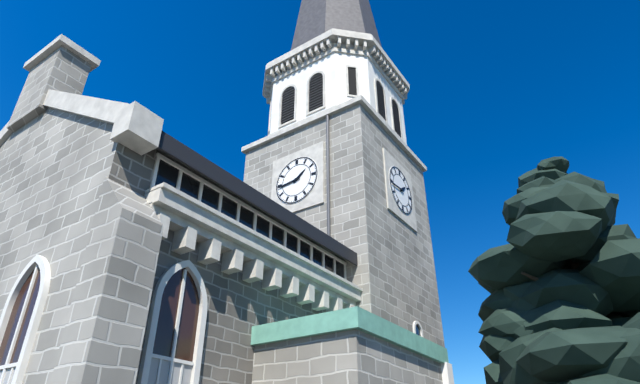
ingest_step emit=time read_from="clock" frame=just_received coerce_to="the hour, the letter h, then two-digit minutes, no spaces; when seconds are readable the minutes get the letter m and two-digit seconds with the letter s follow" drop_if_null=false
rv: 1h44
